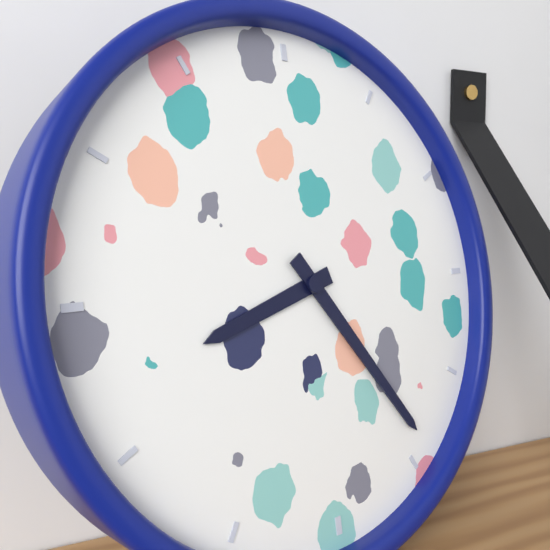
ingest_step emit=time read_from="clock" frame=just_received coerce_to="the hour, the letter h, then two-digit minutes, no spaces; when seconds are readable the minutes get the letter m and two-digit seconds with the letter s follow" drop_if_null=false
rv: 8h24
